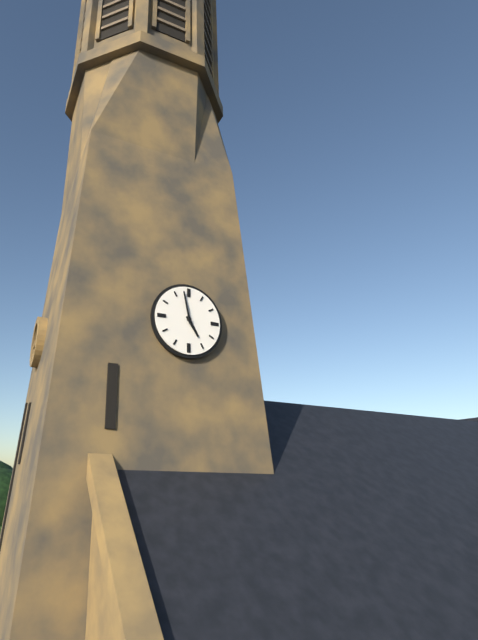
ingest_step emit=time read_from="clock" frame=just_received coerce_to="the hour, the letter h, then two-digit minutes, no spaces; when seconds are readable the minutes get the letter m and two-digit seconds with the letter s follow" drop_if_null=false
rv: 4h58
